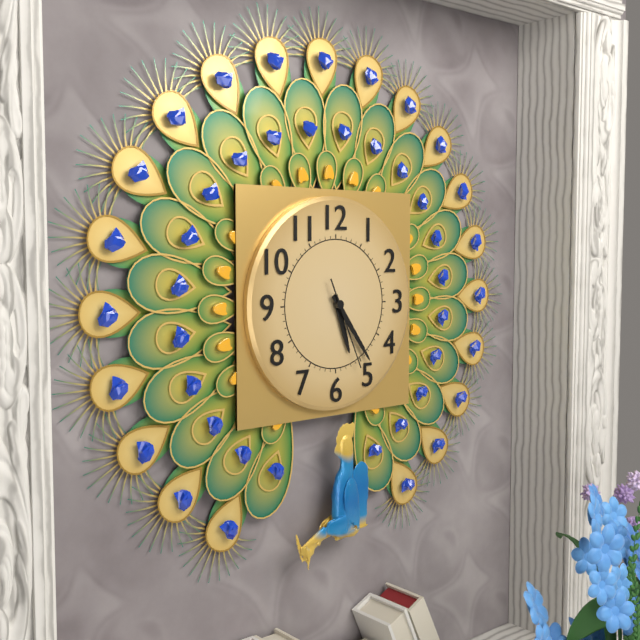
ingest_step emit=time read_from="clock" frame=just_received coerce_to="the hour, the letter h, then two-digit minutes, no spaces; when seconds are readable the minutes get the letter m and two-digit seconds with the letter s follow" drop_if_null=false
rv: 5h24m26s
